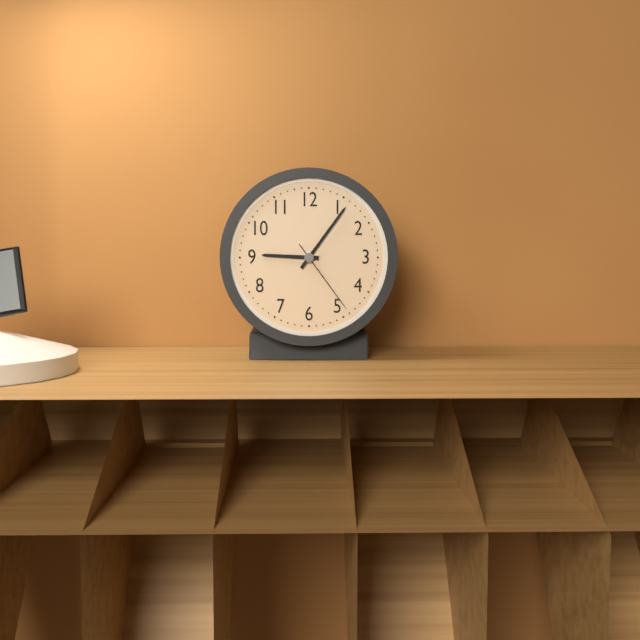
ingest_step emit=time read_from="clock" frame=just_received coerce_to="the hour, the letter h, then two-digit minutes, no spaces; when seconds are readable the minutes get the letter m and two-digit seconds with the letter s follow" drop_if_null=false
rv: 9h06m24s
